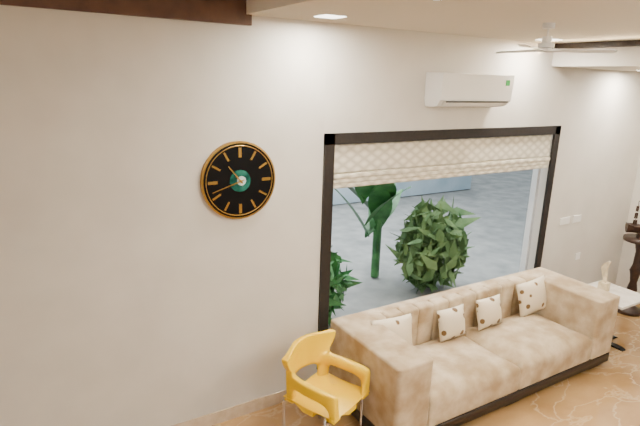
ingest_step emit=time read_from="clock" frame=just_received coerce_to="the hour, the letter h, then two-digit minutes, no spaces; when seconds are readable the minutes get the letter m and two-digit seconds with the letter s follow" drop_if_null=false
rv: 10h42
